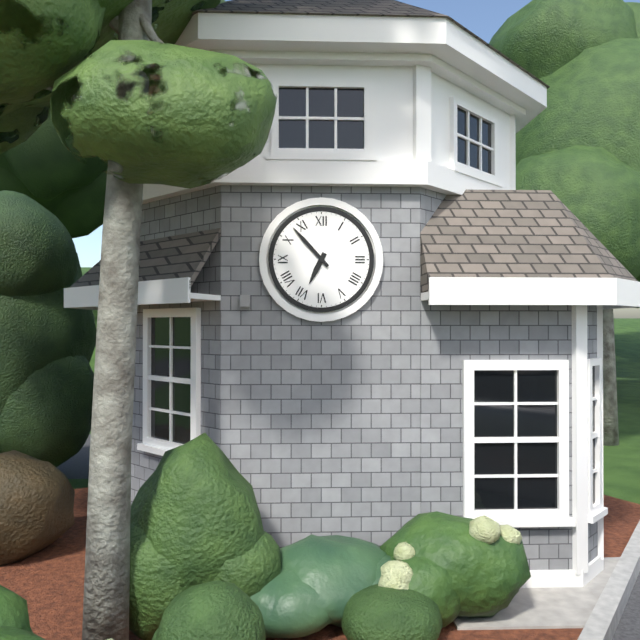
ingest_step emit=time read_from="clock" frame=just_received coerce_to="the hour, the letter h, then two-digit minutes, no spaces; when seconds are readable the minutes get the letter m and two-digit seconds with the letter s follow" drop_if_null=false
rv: 6h53
